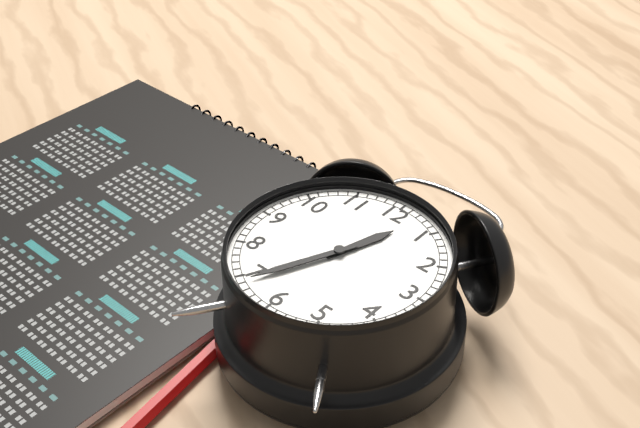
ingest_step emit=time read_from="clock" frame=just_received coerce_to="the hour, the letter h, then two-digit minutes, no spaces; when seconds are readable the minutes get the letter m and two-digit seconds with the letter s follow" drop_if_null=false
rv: 12h34
